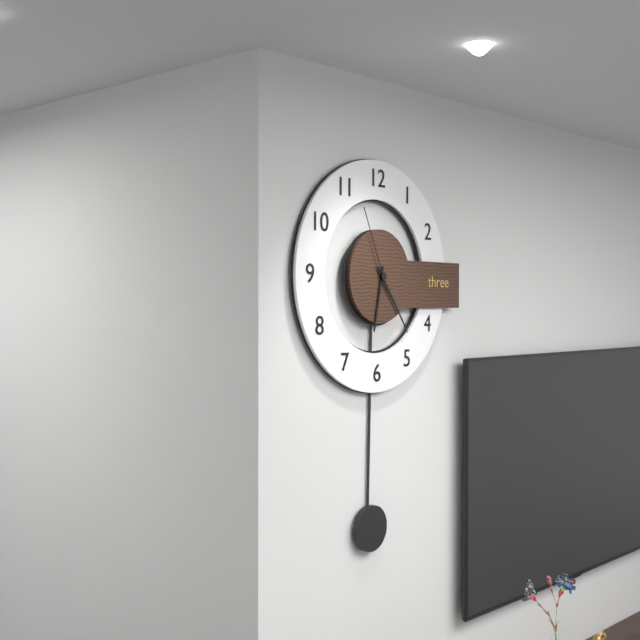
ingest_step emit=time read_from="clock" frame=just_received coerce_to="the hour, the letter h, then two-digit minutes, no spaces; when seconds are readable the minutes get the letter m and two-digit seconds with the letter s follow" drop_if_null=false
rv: 6h24m56s
